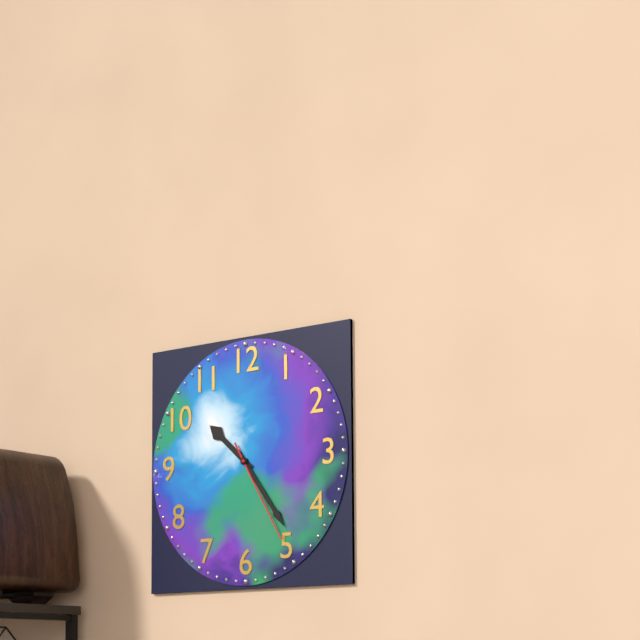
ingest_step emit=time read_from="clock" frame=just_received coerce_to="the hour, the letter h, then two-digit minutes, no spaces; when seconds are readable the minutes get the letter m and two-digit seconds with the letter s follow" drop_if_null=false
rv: 10h24m25s
